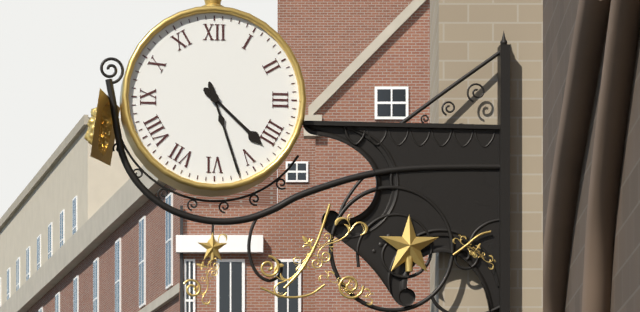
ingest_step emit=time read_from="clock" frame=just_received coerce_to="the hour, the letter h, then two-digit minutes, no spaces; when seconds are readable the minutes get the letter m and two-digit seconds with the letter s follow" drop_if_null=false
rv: 4h27
